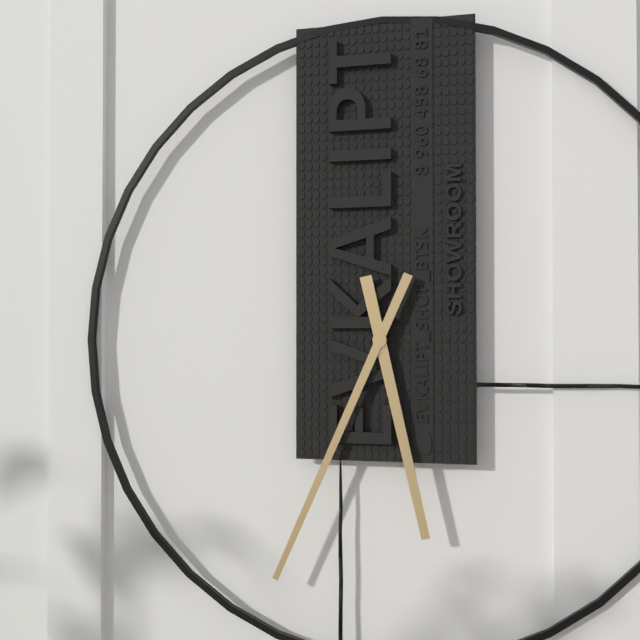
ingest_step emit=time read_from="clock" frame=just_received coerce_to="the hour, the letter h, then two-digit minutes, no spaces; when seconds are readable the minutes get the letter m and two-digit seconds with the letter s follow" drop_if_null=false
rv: 5h34
